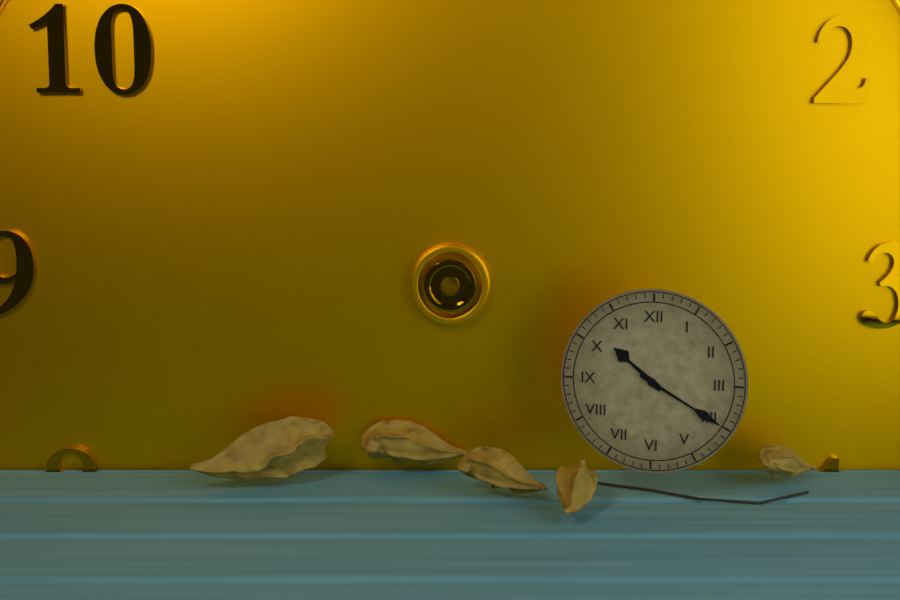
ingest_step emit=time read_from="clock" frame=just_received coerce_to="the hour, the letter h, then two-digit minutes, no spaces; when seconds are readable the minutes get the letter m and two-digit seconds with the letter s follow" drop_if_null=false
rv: 10h20
